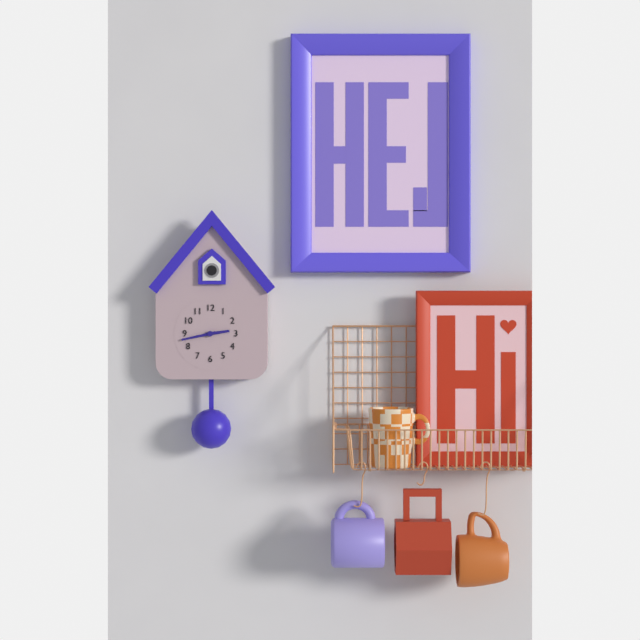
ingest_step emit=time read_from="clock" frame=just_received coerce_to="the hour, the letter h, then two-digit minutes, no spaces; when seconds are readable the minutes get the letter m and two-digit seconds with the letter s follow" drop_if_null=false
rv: 2h43
